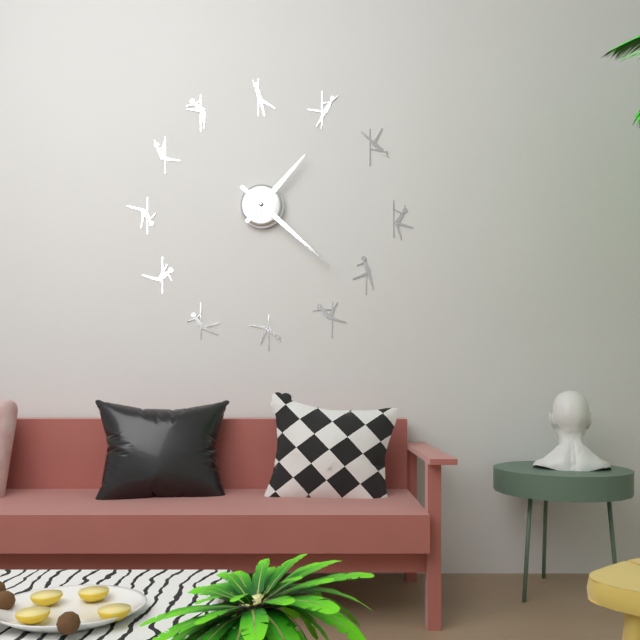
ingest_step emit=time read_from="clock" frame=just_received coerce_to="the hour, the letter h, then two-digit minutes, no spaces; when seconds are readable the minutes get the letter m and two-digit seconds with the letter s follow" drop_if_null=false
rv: 1h22
